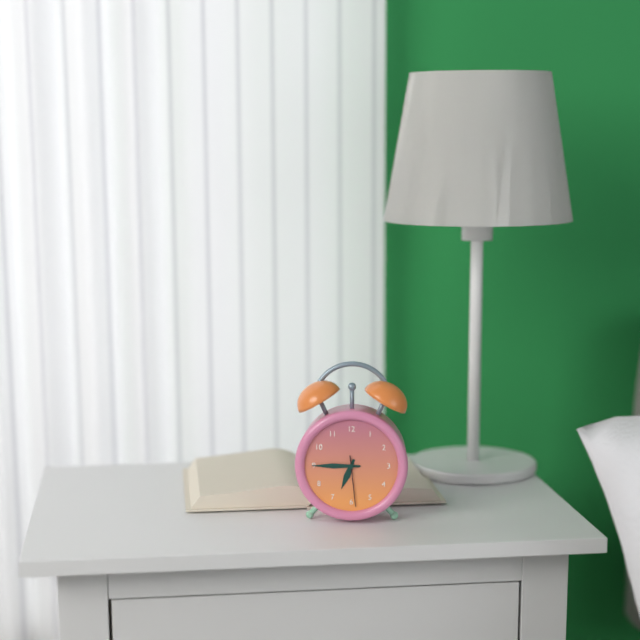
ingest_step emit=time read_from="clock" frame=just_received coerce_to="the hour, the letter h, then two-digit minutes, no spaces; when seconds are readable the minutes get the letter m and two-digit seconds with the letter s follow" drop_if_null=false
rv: 6h45m29s
